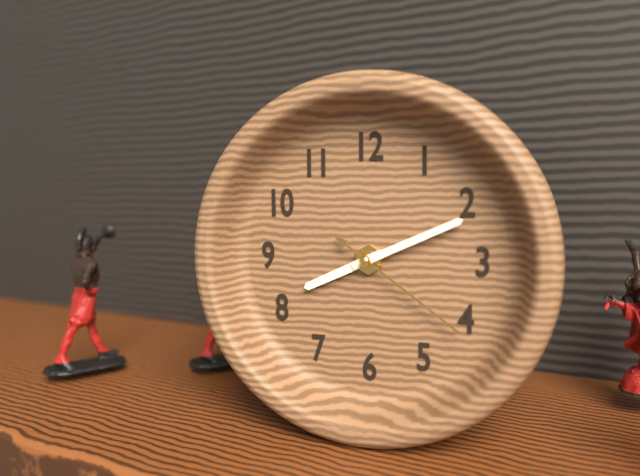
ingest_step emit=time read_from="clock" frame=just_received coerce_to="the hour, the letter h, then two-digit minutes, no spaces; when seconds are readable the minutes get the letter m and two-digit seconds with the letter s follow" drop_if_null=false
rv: 8h11m21s
